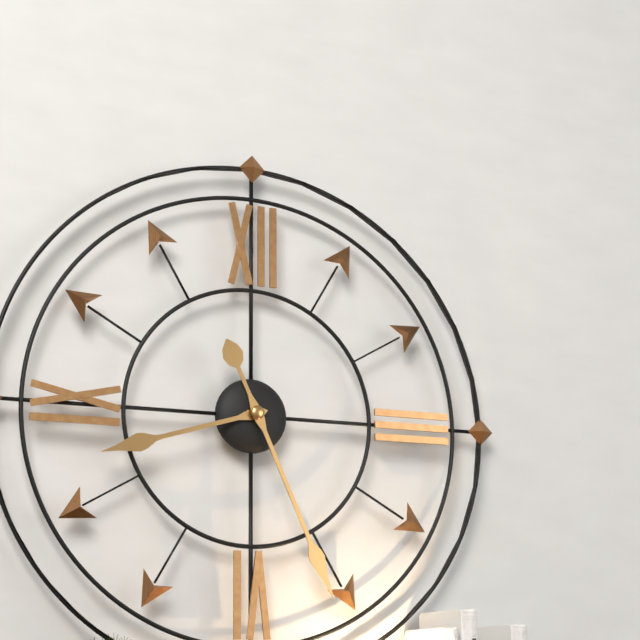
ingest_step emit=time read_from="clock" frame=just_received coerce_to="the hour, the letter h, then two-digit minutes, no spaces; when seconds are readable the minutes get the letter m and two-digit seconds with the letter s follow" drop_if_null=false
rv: 8h26
